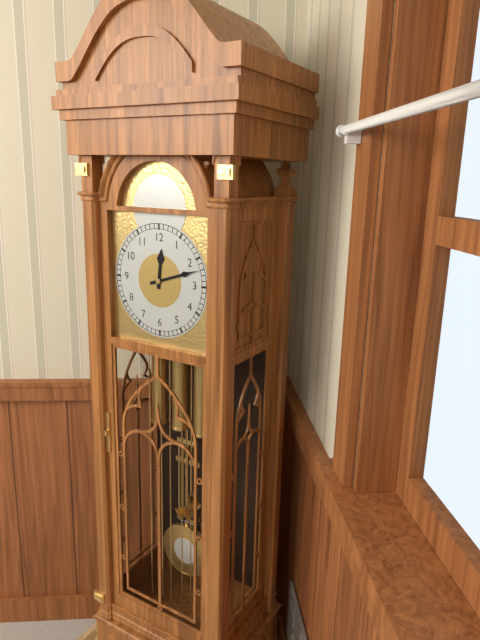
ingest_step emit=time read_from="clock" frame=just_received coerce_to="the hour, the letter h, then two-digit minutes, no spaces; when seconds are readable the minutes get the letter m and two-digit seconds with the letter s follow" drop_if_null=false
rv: 12h12
